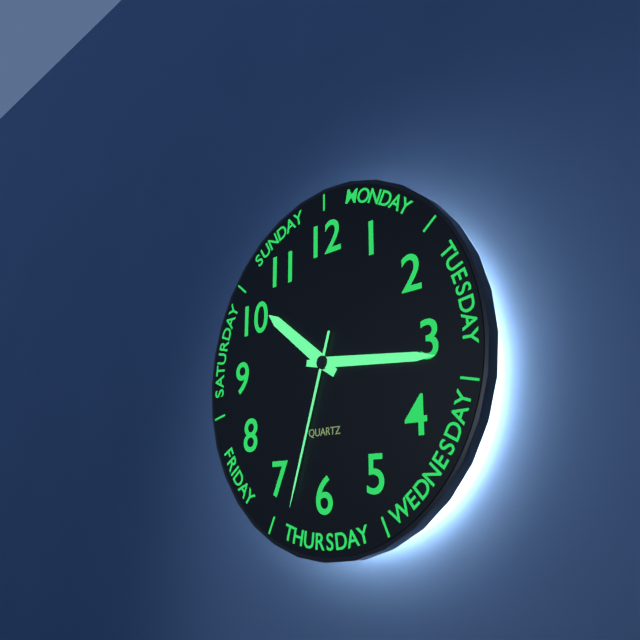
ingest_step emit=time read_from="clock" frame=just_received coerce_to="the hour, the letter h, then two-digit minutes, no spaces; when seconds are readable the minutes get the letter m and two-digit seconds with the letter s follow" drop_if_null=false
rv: 10h16m33s
